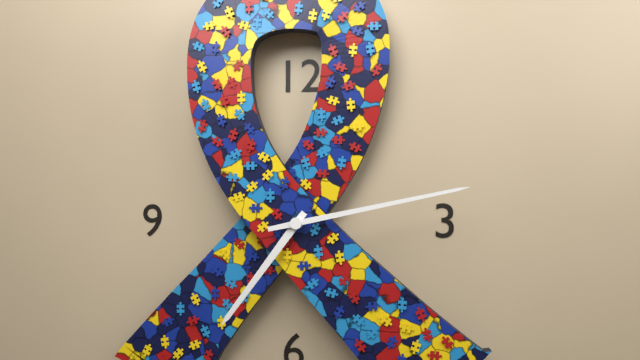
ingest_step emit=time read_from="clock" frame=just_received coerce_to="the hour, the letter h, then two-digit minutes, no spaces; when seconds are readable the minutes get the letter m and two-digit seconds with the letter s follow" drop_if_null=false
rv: 7h13
